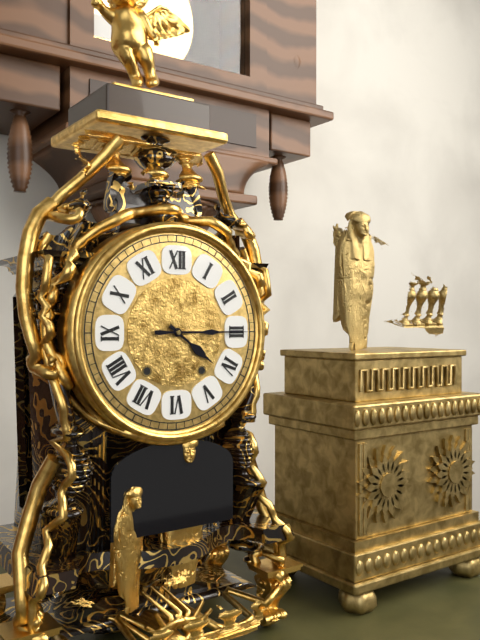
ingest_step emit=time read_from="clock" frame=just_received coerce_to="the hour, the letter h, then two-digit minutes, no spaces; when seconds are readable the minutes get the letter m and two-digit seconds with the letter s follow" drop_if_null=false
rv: 4h15
